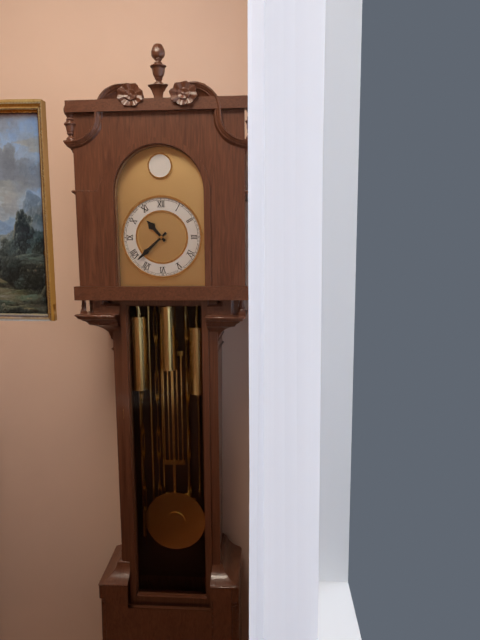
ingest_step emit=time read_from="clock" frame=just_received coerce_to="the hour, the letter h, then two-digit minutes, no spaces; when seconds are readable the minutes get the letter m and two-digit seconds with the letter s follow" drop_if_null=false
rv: 10h38
